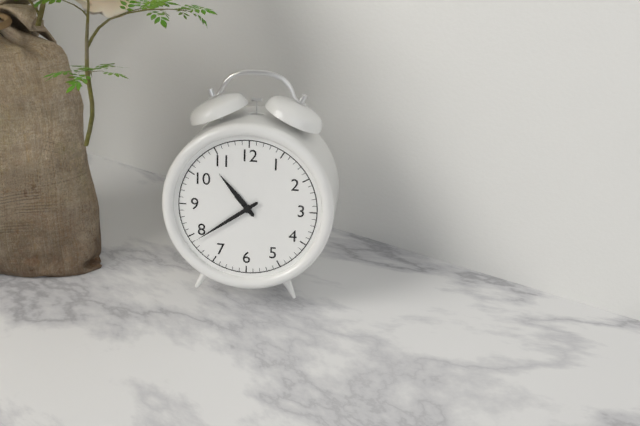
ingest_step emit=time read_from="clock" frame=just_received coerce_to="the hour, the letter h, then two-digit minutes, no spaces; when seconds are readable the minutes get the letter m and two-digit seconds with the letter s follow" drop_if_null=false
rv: 10h39
